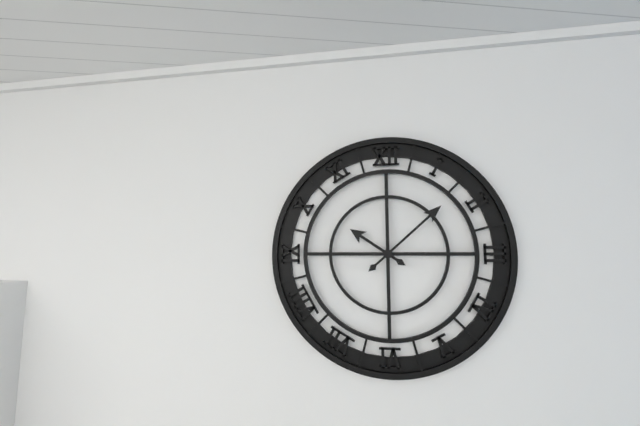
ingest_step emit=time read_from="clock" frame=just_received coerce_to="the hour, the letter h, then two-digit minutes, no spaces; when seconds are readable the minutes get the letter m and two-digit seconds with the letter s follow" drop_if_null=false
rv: 10h08
